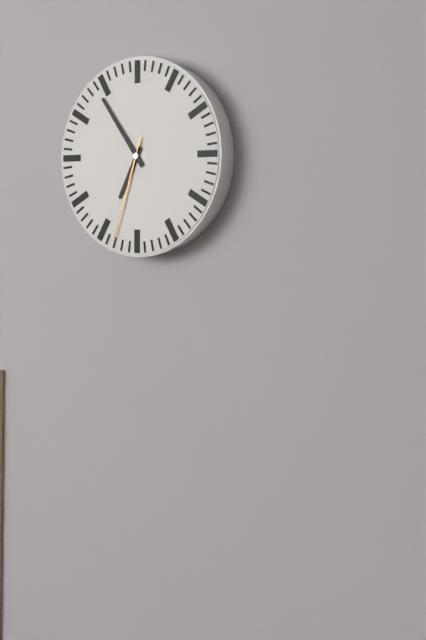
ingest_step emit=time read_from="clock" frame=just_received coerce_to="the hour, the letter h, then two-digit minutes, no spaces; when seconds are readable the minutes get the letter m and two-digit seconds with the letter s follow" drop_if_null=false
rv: 6h54m33s
